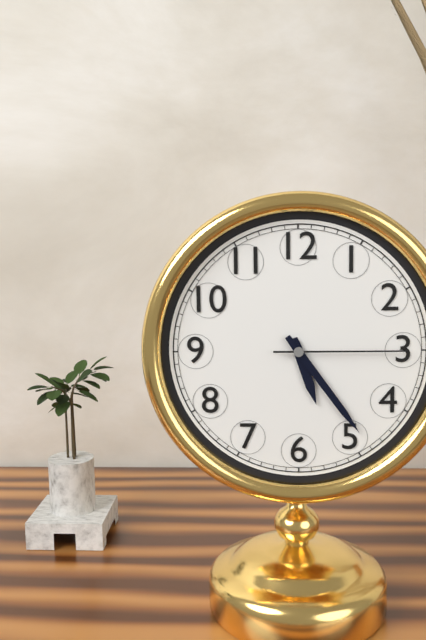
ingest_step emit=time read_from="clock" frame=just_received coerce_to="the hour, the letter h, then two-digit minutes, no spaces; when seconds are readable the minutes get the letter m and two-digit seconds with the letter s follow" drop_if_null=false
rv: 5h24m15s
